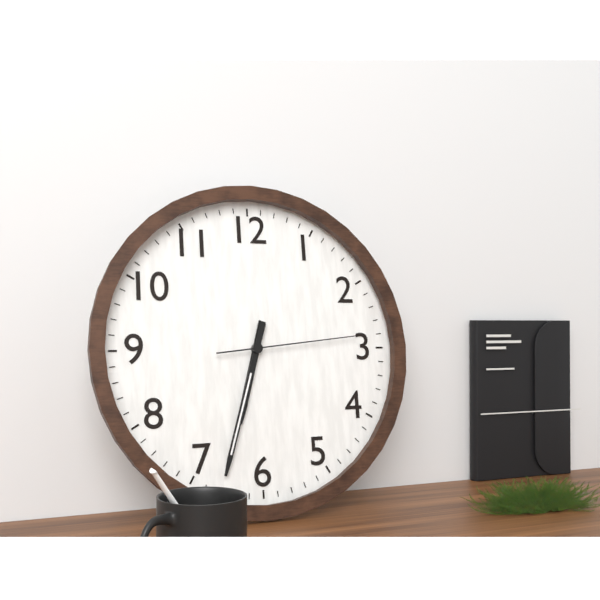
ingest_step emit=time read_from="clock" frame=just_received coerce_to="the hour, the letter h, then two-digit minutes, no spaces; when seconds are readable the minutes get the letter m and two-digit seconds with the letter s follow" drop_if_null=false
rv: 6h33m14s
